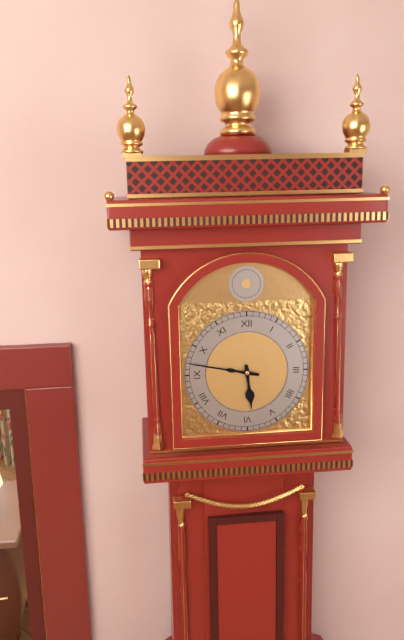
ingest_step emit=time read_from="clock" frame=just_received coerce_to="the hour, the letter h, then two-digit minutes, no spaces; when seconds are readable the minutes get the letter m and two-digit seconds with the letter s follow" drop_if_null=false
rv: 5h47
